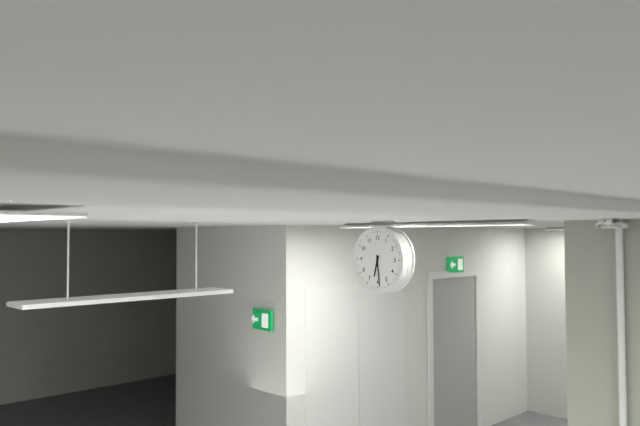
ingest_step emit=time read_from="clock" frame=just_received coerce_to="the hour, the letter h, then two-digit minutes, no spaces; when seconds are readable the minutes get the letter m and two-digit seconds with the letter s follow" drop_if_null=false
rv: 6h29
